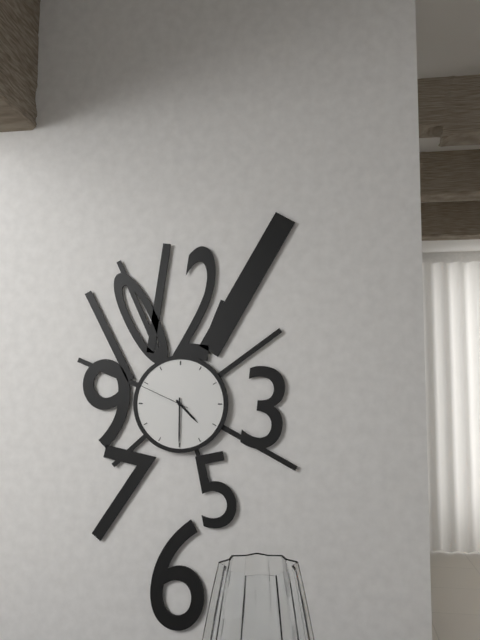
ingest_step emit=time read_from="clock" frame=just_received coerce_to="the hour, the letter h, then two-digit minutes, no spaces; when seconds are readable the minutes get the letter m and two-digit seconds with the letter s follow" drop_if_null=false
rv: 4h30m49s
